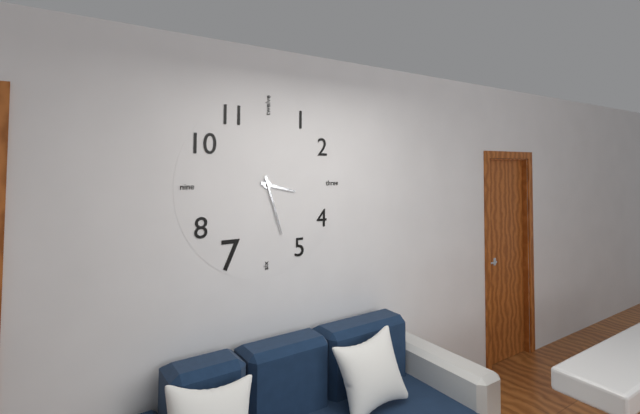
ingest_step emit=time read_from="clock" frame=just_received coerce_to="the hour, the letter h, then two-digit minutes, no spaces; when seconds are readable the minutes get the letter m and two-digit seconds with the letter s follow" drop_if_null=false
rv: 3h27
